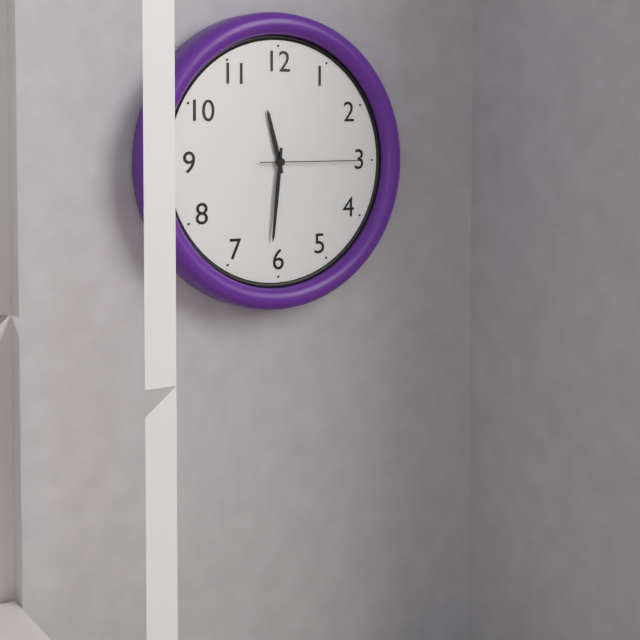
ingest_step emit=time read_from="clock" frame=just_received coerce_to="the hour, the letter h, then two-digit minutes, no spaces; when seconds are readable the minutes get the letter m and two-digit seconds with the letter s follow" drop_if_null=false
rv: 11h31m15s
